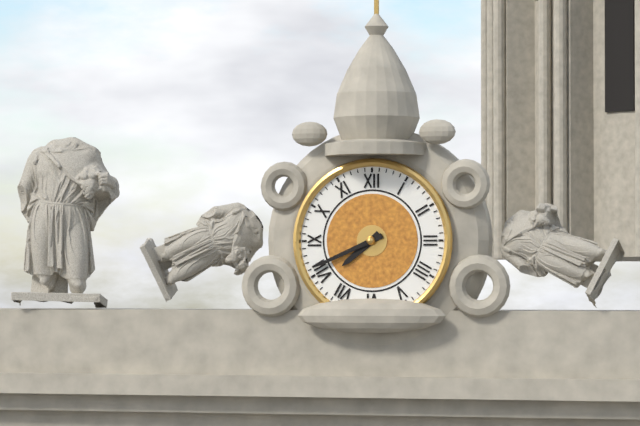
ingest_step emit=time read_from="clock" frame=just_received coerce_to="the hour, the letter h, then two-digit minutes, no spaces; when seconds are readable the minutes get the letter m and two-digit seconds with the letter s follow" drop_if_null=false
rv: 7h41
